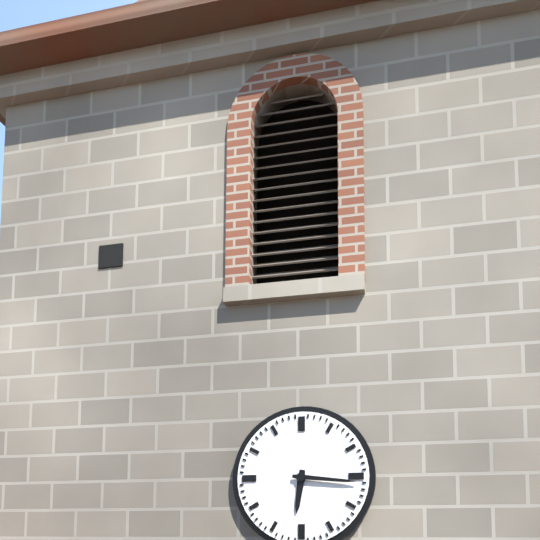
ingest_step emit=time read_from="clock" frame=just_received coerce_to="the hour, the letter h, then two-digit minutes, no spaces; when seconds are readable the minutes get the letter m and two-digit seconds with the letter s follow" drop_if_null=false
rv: 6h16
